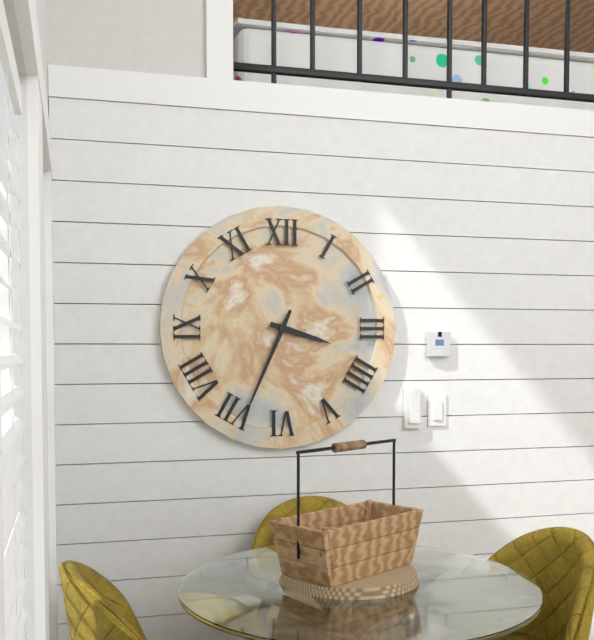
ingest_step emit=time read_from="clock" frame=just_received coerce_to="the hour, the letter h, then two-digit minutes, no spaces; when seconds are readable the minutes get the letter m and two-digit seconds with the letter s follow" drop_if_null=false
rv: 3h34
